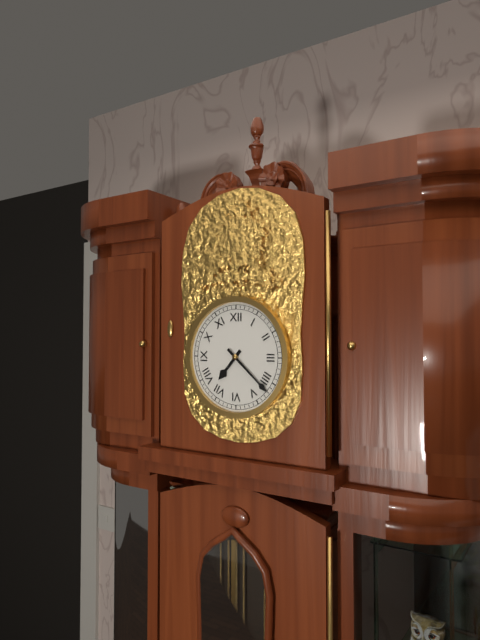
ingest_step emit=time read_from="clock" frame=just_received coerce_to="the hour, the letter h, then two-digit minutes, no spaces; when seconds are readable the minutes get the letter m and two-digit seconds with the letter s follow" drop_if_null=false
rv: 7h22
